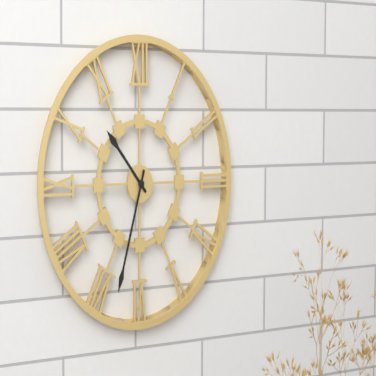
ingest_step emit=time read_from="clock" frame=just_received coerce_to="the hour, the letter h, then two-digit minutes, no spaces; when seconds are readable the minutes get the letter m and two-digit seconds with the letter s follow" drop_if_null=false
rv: 10h33
